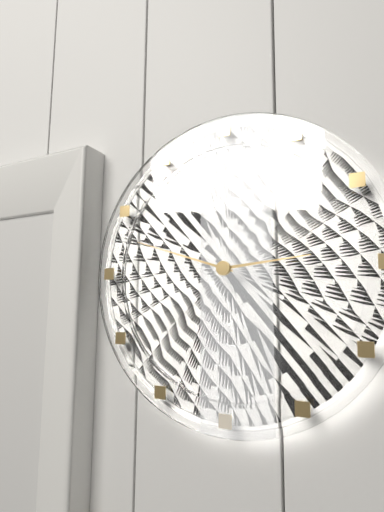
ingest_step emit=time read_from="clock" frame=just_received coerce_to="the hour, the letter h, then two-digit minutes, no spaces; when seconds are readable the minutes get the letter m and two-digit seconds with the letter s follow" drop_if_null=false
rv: 2h48
